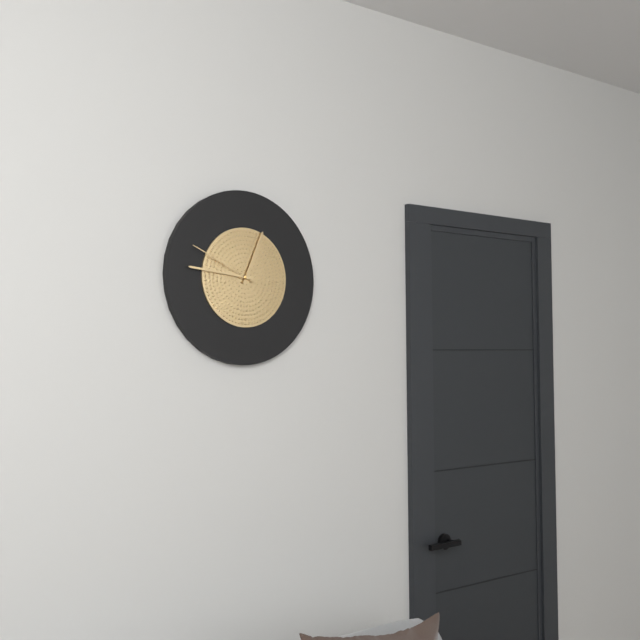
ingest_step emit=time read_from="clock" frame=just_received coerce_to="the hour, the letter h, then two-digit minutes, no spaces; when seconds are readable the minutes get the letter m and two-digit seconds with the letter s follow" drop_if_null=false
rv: 12h46m49s
